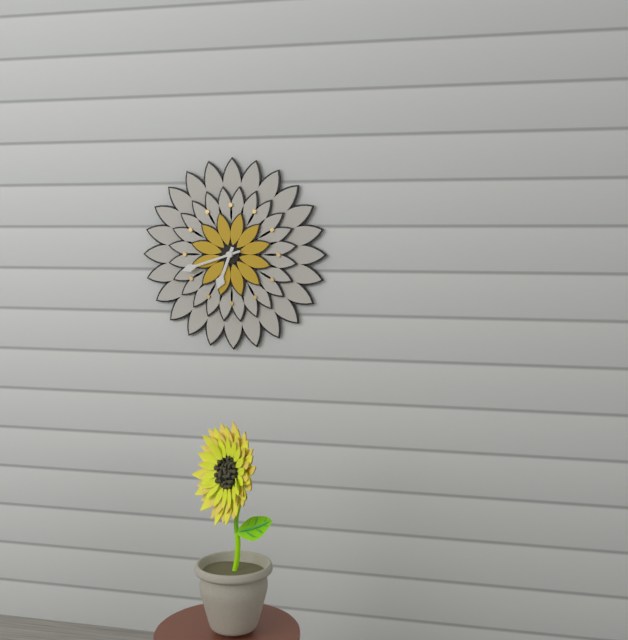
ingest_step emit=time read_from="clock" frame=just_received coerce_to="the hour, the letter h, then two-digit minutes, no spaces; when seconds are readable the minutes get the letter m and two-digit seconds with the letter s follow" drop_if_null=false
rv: 6h42
